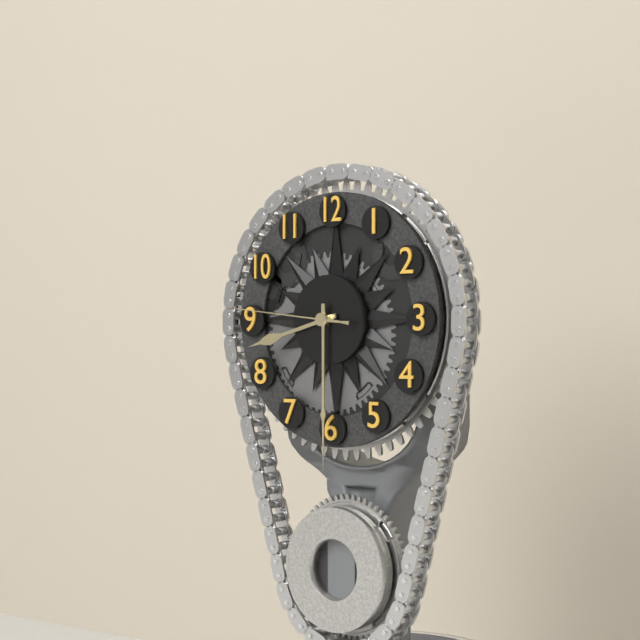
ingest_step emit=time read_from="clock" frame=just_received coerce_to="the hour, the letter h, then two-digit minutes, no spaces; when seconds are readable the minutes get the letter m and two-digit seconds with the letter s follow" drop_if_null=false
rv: 8h30m46s
